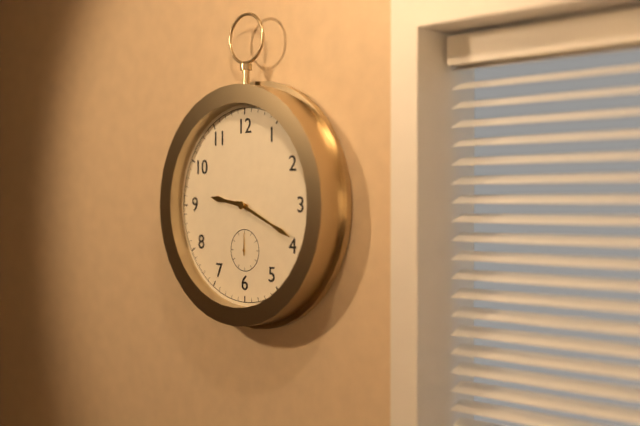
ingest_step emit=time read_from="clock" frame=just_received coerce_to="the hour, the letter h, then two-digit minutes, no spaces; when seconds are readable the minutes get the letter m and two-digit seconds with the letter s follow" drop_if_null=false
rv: 9h19
